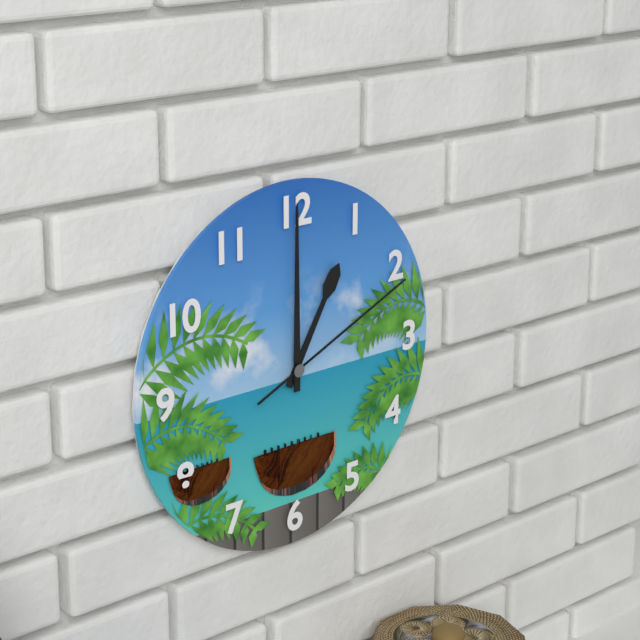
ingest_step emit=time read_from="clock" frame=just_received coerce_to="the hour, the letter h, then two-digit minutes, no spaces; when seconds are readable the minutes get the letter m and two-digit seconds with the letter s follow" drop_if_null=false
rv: 1h00m11s
